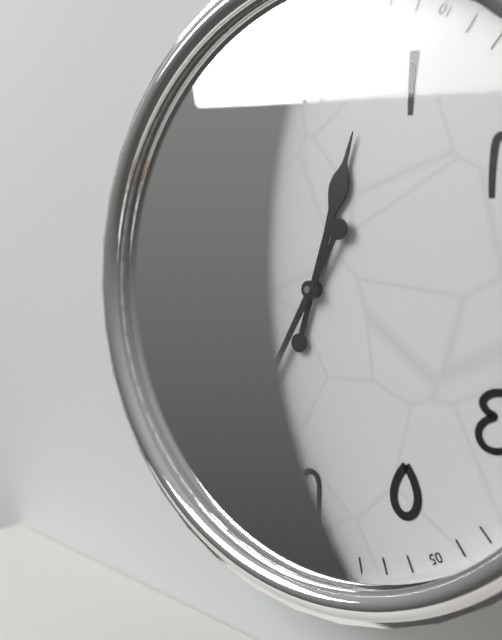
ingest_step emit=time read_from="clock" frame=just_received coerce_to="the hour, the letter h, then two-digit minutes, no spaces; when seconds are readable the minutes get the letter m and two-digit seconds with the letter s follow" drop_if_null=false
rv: 12h35
